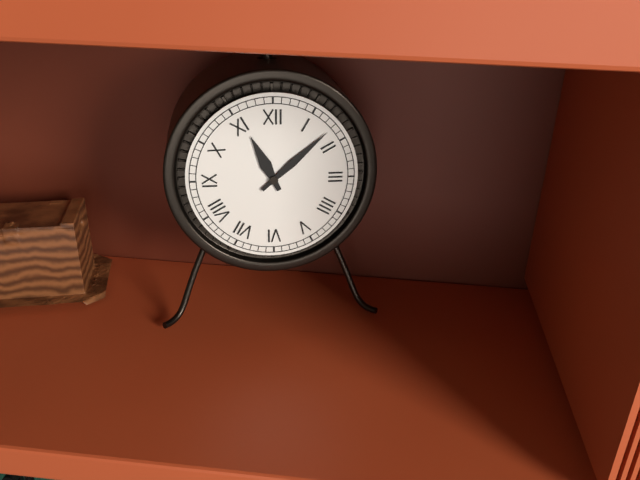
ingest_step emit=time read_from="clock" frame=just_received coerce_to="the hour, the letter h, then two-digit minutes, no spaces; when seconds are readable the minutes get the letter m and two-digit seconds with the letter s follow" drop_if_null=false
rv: 11h08
